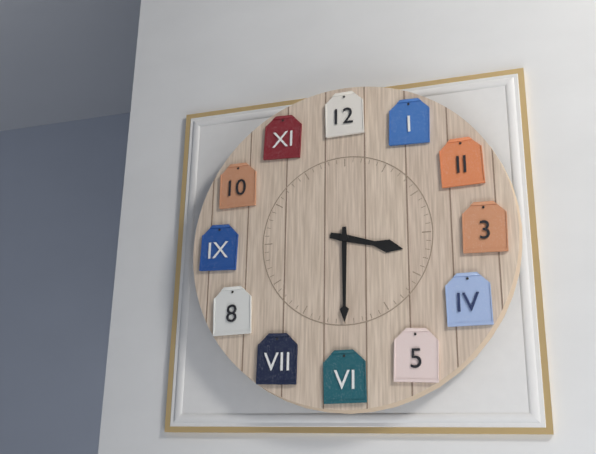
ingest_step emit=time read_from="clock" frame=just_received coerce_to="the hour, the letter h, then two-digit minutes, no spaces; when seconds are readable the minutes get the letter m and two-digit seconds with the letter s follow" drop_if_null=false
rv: 3h30
